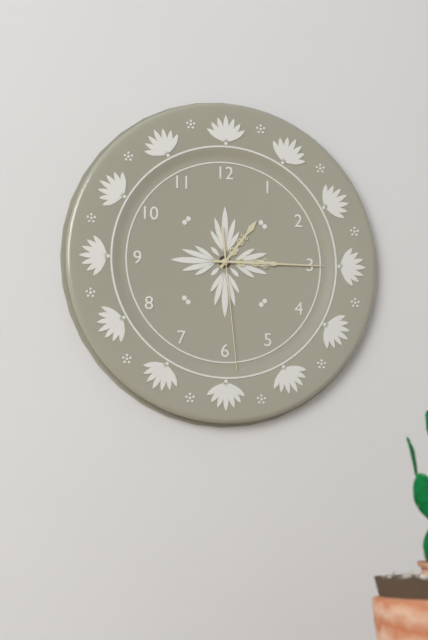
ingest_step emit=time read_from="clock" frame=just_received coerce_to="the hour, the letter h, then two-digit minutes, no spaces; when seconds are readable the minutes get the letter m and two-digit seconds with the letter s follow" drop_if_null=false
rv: 1h15m29s
